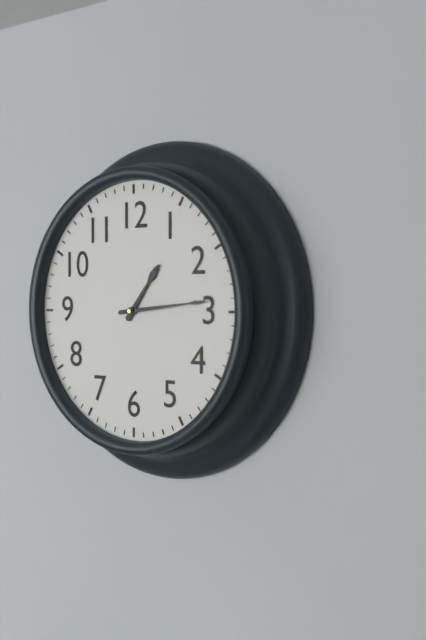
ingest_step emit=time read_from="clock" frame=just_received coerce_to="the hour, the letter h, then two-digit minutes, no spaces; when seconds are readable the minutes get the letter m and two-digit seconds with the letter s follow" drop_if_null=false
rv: 1h14
